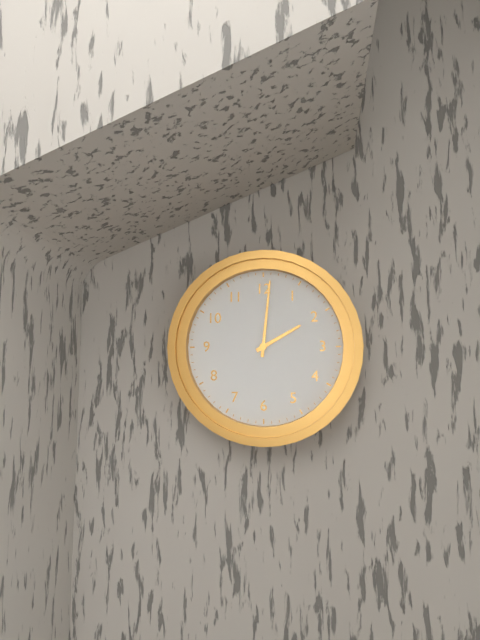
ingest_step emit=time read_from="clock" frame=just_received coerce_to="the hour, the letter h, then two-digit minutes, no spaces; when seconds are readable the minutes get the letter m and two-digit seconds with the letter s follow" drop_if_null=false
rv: 2h01
